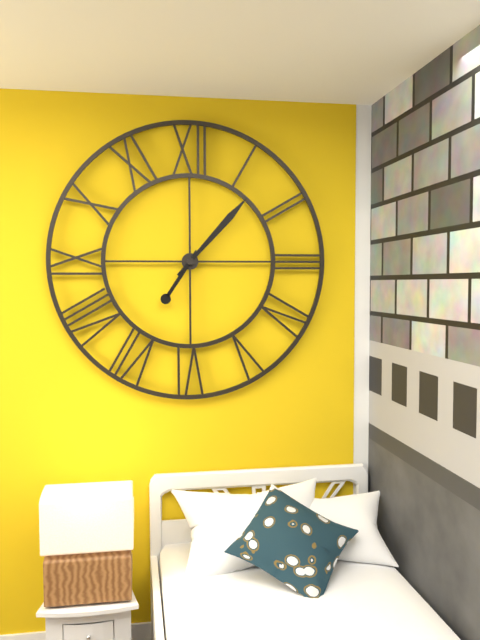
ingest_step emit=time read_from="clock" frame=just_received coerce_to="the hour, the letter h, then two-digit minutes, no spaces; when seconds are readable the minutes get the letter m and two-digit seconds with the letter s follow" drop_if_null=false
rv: 7h07
